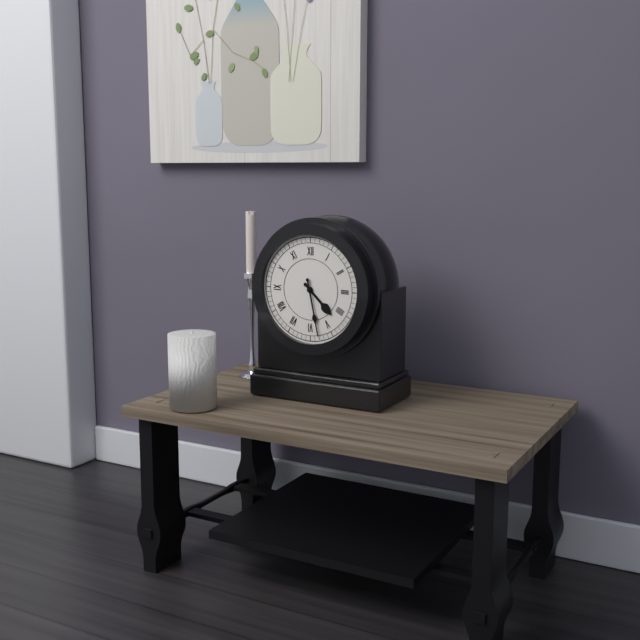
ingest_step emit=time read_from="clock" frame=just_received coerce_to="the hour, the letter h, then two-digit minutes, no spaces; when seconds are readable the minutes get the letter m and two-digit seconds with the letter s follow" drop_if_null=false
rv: 4h28
